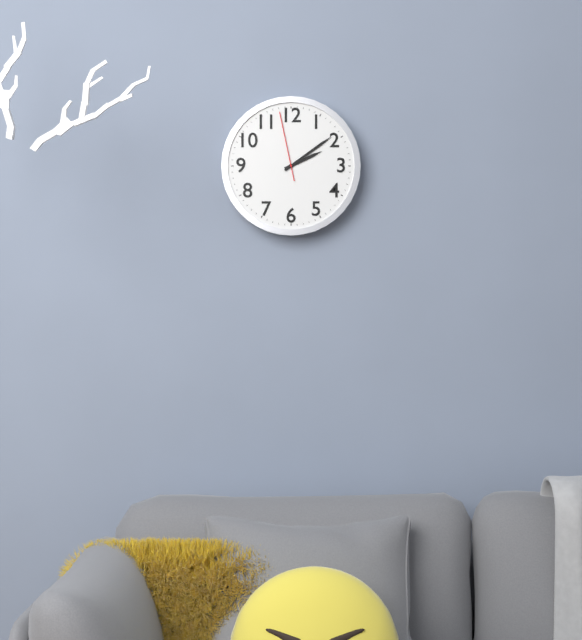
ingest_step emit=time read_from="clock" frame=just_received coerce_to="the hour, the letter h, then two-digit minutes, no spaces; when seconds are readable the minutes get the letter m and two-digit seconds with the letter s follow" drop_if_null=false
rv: 2h09m58s
